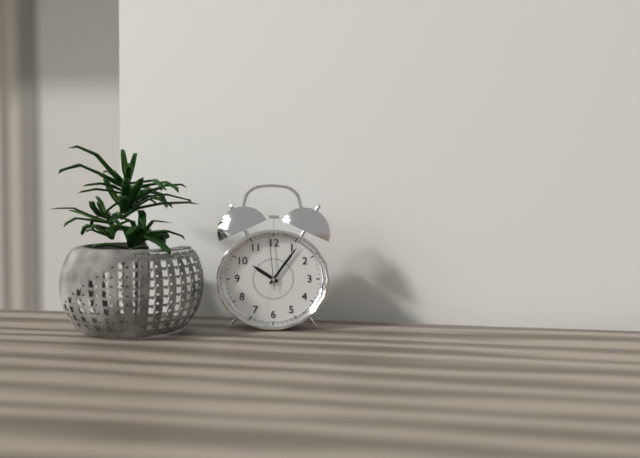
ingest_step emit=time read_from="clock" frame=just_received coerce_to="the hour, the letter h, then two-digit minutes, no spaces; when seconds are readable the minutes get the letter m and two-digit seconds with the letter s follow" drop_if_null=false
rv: 10h06m59s
